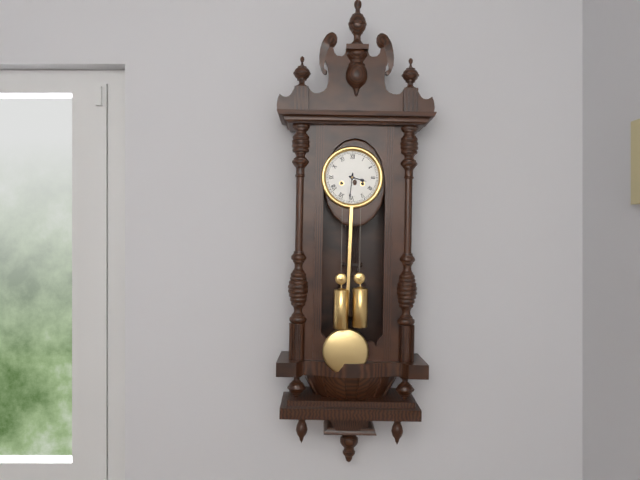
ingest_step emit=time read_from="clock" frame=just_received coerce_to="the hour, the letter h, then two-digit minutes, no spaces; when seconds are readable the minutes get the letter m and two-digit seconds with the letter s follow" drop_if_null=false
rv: 3h31
